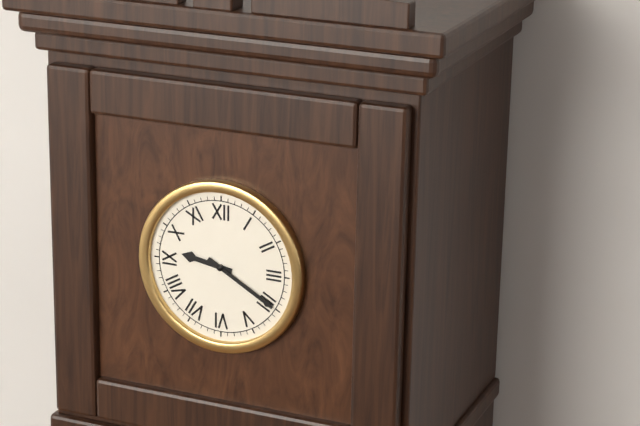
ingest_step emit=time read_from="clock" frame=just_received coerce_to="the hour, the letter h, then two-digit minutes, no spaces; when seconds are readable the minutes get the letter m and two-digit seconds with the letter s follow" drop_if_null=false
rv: 9h20
